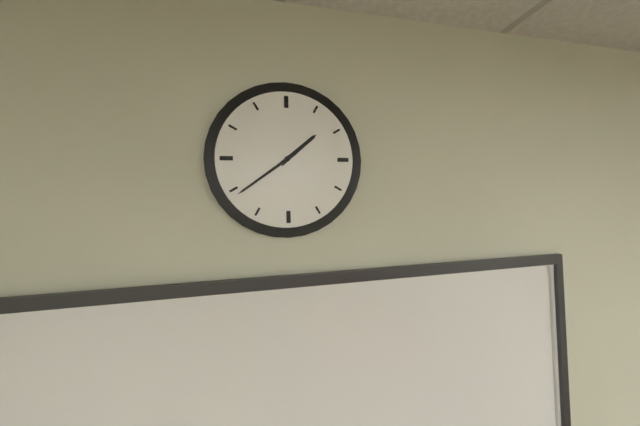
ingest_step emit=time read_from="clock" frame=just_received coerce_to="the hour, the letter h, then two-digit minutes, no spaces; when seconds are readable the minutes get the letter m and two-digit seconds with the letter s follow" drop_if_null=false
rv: 1h39
